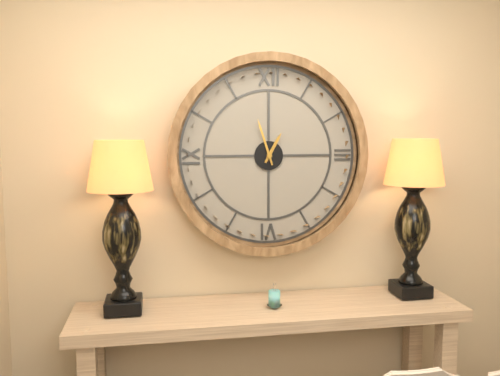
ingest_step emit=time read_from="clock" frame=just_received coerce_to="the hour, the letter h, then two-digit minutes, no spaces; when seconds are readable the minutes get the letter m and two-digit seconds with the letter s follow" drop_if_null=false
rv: 12h57
